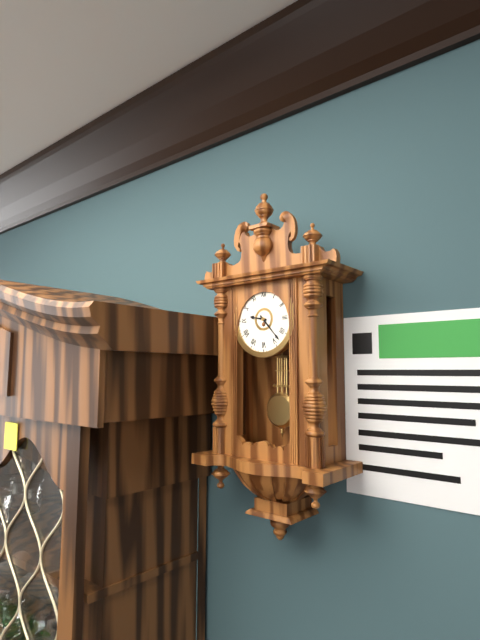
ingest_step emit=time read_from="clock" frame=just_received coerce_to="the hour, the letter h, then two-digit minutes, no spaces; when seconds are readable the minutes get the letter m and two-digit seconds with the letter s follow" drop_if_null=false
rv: 9h23
